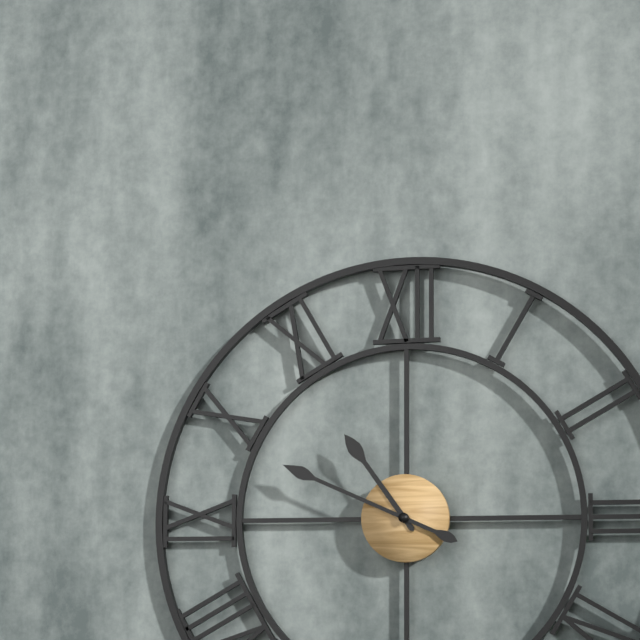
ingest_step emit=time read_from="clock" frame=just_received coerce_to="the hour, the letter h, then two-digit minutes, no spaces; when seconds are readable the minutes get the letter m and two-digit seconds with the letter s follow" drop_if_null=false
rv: 10h49
